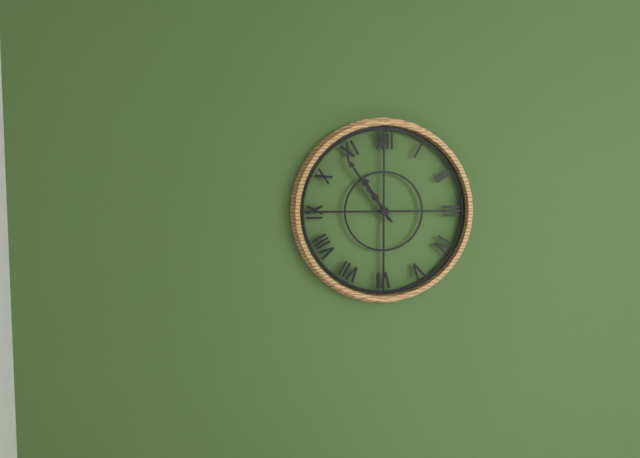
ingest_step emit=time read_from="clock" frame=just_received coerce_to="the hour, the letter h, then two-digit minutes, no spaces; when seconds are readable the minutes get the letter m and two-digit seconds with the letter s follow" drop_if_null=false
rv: 10h54
